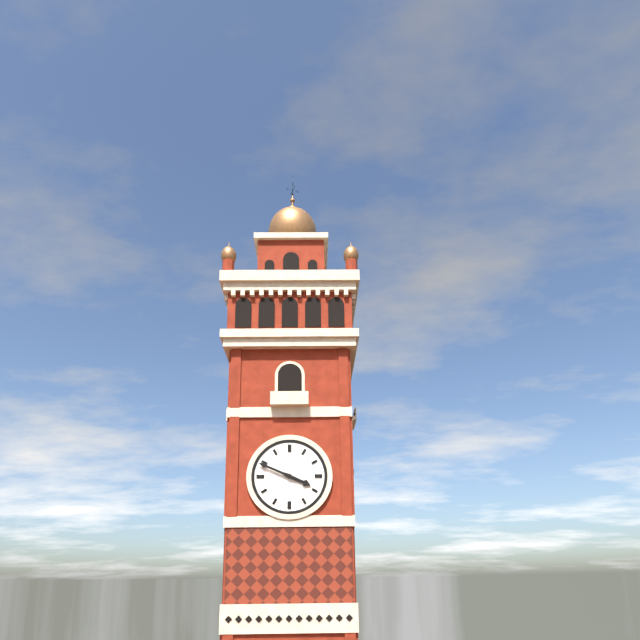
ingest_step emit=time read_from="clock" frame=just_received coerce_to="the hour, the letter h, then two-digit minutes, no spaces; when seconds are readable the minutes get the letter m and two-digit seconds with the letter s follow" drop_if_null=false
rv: 3h49
